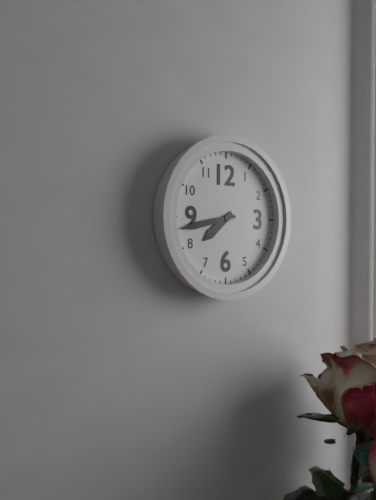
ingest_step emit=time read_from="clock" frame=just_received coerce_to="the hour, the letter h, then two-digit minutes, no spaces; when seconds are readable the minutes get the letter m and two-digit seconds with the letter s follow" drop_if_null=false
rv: 7h43
